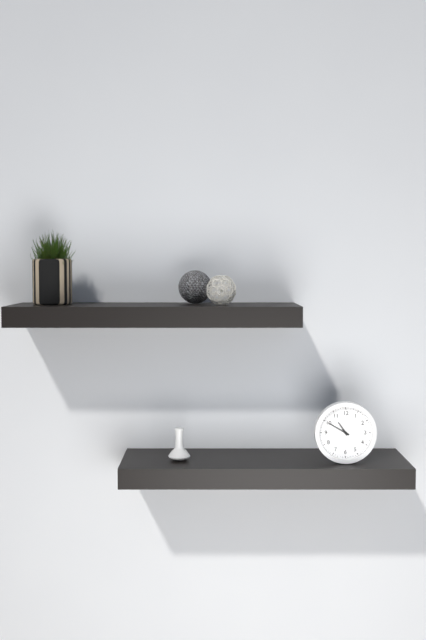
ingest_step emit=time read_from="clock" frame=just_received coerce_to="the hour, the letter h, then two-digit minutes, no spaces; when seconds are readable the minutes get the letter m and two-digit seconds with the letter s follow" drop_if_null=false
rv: 10h50
